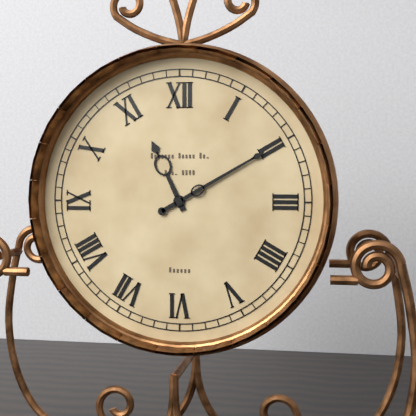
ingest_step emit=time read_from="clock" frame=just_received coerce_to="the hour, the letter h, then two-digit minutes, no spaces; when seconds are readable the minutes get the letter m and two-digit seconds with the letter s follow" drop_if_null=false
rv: 11h10
